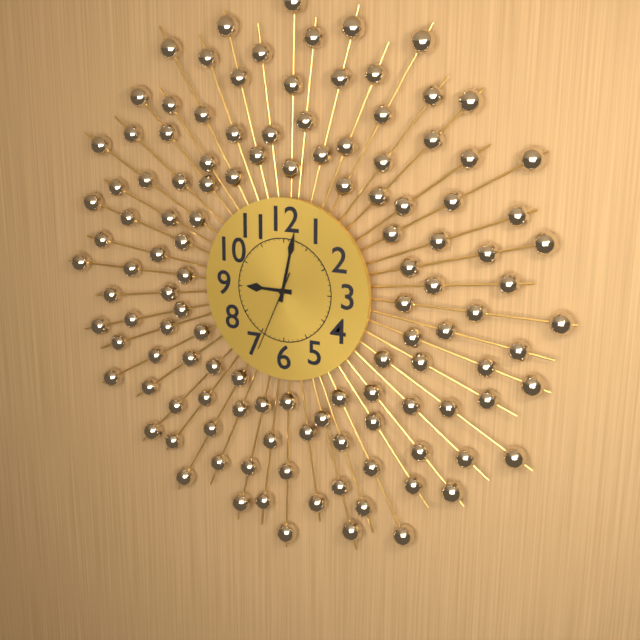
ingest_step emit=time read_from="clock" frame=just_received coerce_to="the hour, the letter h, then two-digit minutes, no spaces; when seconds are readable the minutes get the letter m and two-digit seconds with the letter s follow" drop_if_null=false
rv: 9h02m34s
